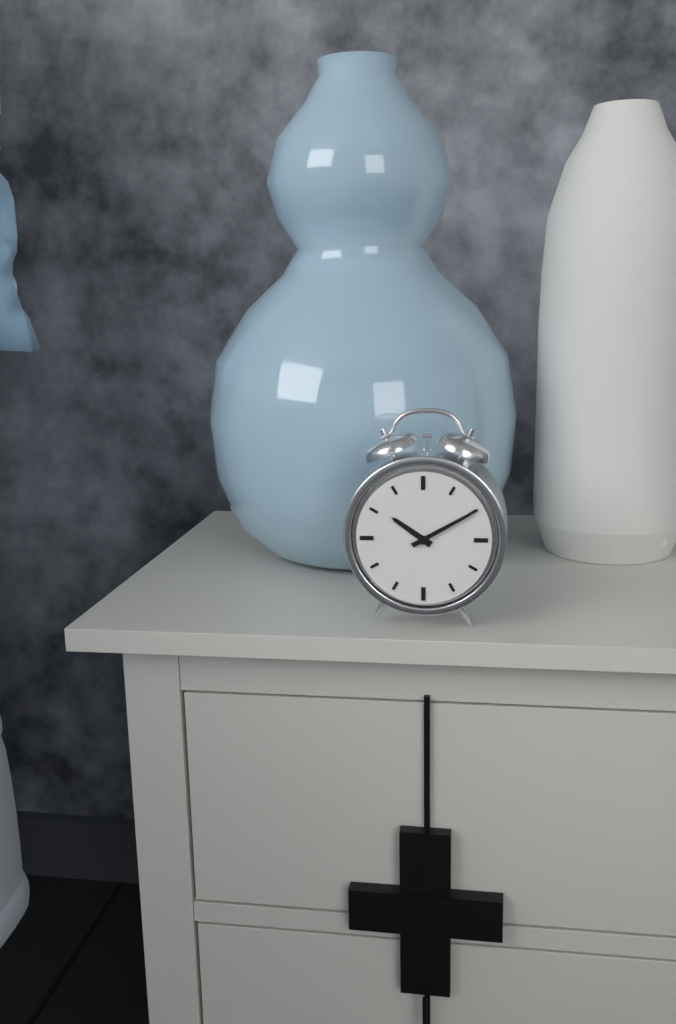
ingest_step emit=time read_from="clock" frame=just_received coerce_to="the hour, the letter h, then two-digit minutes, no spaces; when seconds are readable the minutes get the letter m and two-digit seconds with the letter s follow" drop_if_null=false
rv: 10h10
